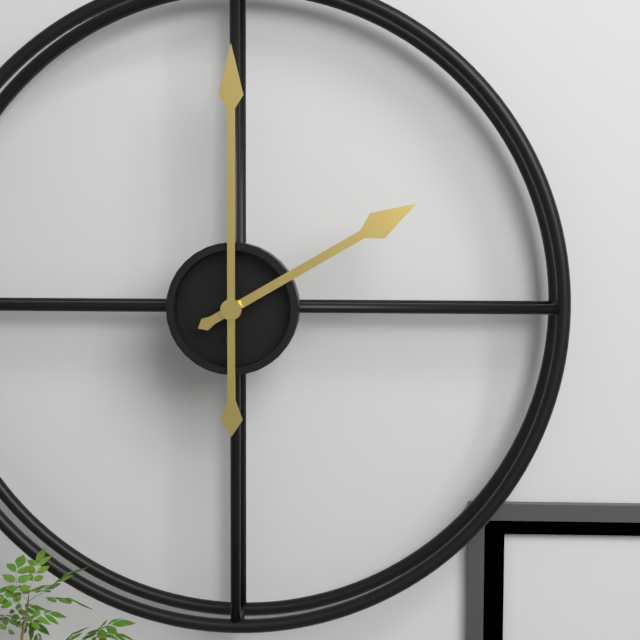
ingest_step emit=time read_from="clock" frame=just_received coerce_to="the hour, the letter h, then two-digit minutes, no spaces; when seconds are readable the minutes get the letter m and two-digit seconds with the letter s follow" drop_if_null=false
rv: 2h00
